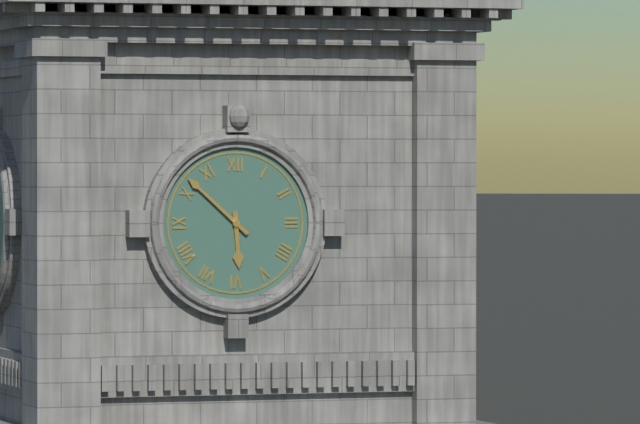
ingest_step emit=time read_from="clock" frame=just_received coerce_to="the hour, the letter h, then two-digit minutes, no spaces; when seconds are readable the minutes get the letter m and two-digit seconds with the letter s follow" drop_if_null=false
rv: 5h52
